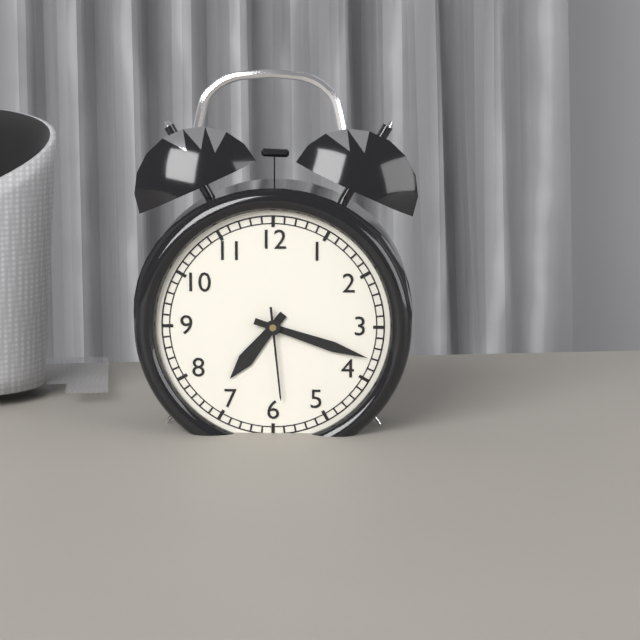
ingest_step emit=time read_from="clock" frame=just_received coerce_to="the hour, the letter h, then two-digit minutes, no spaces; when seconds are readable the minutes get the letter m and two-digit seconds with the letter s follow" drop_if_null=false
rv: 7h18m29s
